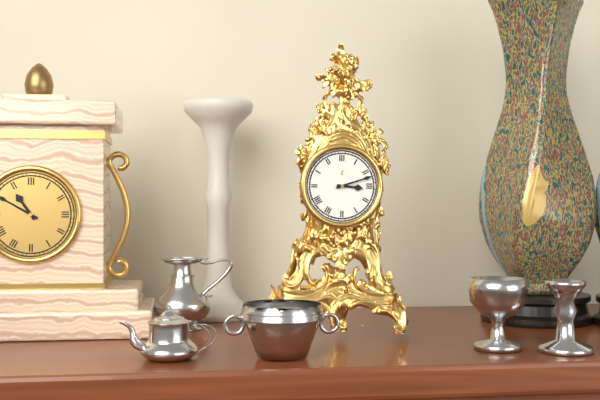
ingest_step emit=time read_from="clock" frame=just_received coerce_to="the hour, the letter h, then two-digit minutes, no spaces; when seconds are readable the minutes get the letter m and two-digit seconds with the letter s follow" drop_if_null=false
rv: 3h12
